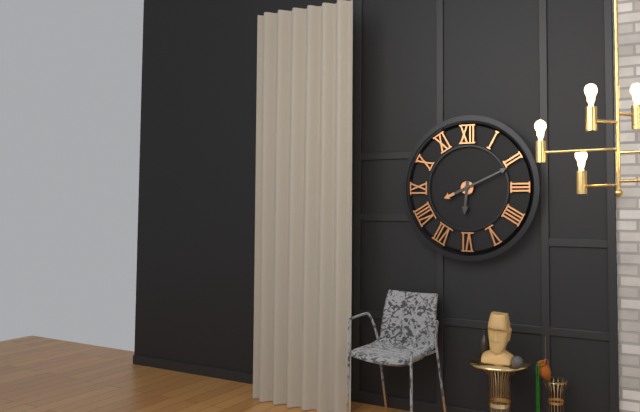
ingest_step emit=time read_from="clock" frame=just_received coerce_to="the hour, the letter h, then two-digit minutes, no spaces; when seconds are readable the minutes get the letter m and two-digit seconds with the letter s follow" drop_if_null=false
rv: 6h11
